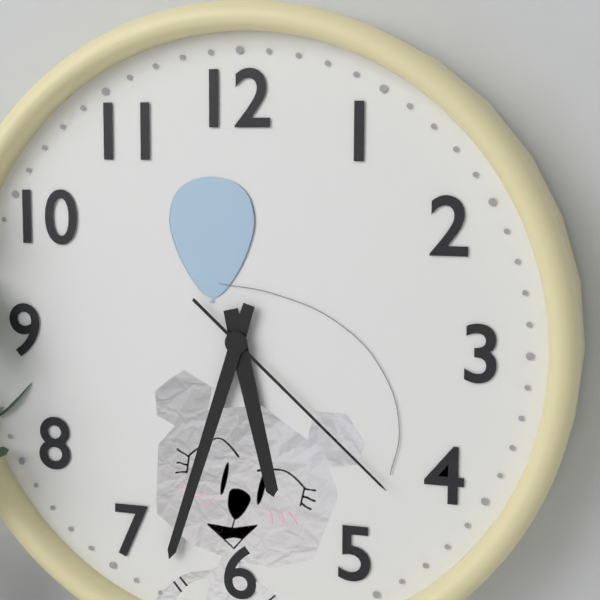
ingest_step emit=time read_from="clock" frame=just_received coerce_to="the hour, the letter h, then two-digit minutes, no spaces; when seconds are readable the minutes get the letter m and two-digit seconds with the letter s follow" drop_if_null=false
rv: 5h33m22s
